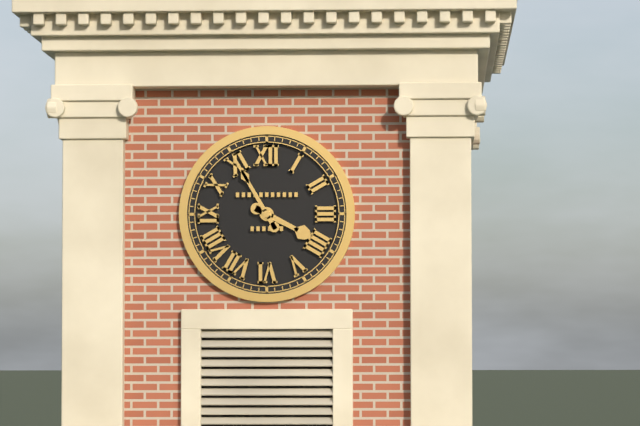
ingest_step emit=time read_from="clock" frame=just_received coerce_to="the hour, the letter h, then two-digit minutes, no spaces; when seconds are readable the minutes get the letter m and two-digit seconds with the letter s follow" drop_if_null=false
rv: 3h55
